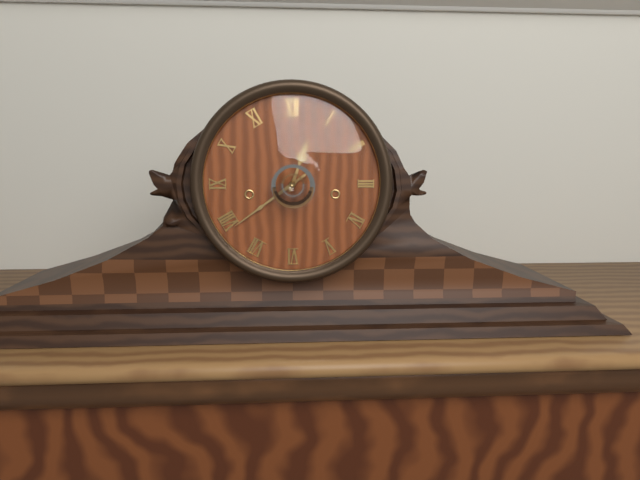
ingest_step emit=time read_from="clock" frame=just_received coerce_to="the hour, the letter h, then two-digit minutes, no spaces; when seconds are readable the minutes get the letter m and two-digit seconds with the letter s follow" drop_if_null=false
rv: 12h39
